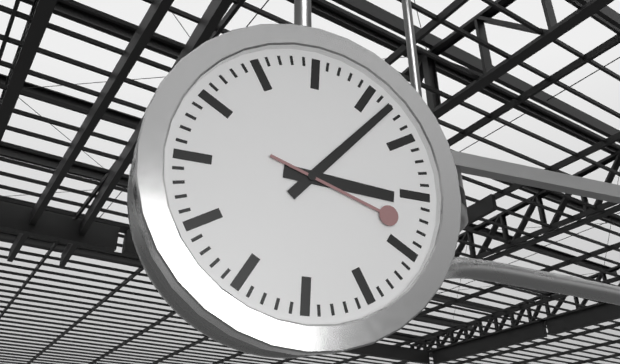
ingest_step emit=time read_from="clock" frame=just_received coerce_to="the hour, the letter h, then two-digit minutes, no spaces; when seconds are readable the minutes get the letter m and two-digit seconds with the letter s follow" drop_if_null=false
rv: 3h07m18s
